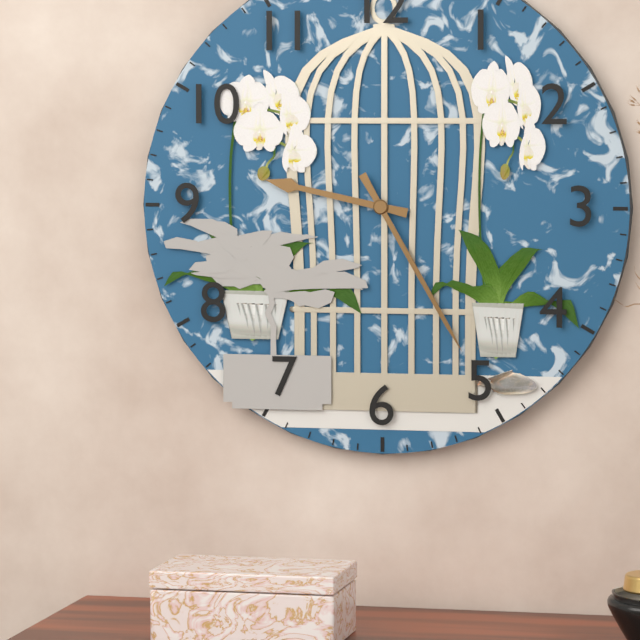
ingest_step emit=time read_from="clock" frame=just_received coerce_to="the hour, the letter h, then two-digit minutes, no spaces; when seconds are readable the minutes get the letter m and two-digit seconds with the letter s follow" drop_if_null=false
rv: 9h25
